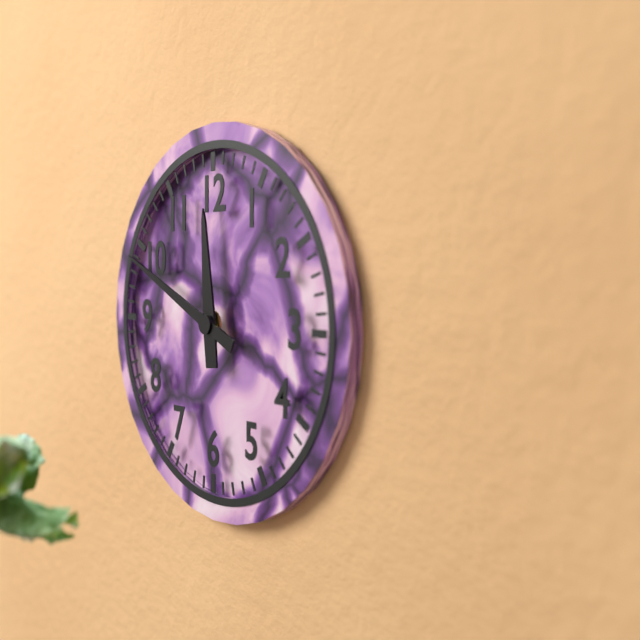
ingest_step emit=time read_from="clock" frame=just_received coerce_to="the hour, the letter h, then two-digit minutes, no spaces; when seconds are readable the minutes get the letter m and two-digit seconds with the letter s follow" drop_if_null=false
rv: 11h49
